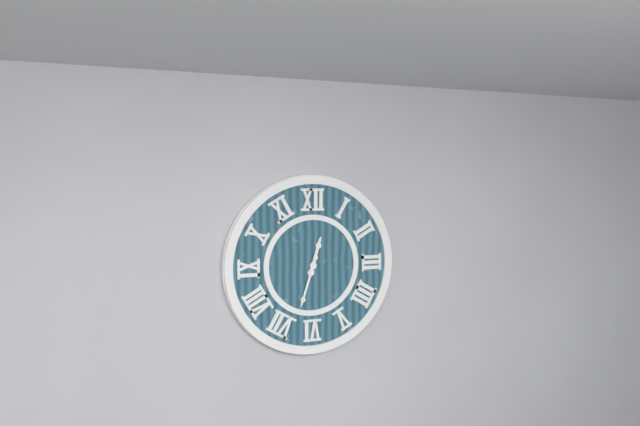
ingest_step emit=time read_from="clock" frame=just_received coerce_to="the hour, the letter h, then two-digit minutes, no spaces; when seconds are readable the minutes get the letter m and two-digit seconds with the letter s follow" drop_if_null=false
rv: 12h33
